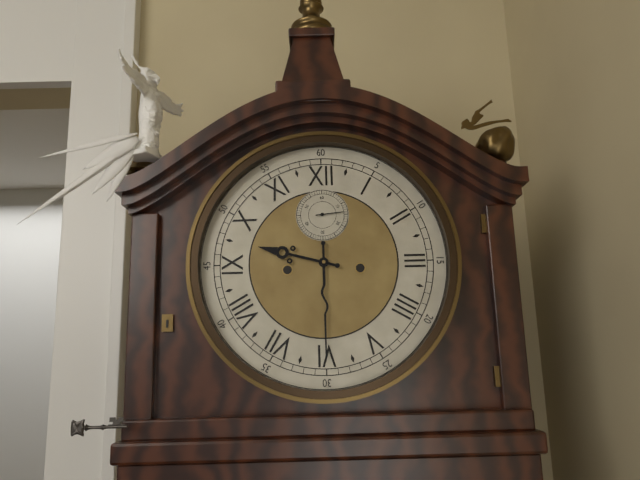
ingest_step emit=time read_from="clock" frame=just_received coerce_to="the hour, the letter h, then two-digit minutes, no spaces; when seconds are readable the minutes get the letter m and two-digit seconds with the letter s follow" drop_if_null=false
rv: 9h30
